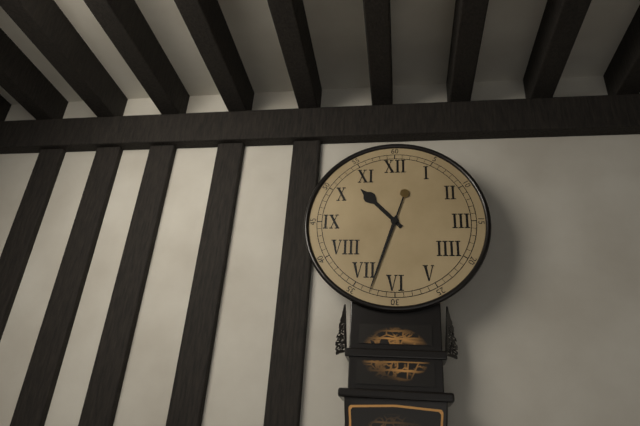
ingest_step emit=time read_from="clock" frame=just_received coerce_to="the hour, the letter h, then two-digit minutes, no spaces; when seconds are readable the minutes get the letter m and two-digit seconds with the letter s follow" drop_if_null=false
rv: 10h33
